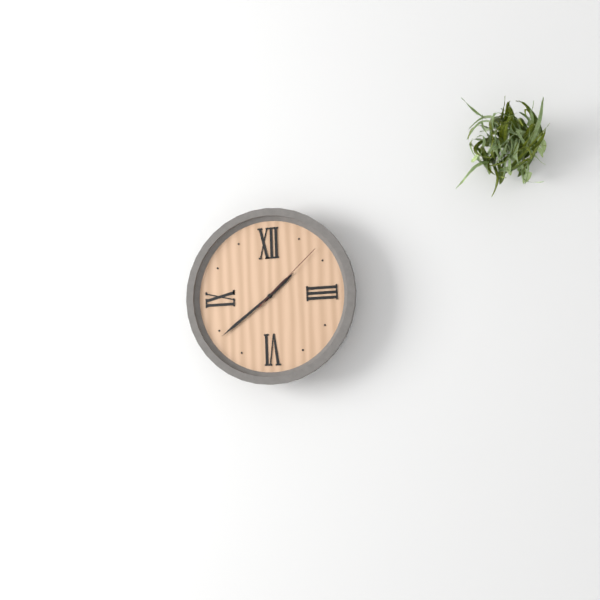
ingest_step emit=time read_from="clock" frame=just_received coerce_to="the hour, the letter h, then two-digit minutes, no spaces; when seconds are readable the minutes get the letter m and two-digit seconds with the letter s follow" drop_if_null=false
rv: 1h39m08s
